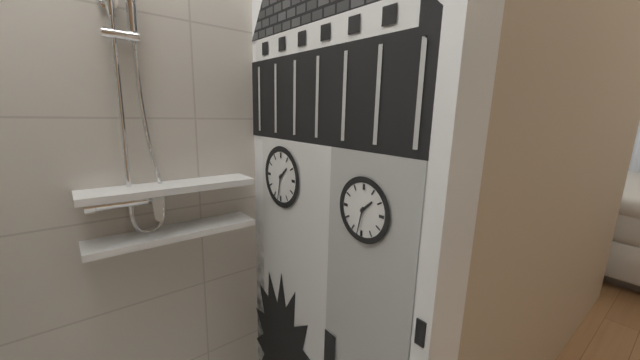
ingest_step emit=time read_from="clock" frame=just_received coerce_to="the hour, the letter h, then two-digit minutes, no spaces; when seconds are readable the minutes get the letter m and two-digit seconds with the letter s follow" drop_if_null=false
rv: 1h32
